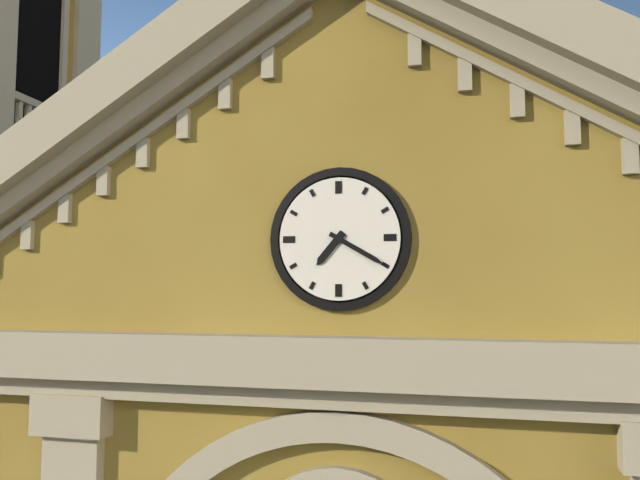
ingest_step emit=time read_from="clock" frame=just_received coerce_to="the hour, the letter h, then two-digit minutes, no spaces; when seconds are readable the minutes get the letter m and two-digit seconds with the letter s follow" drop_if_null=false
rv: 7h20
